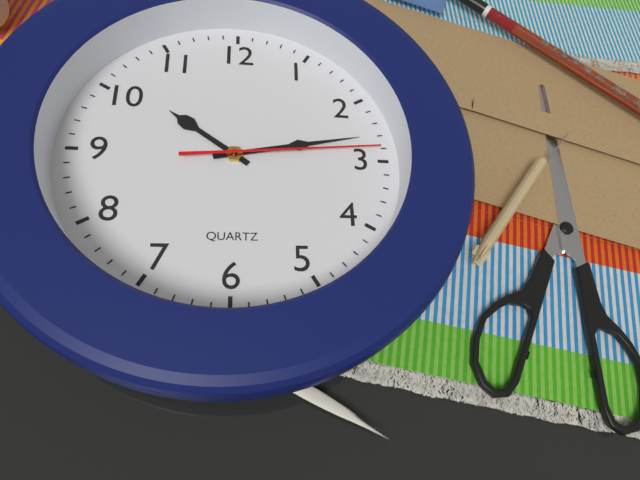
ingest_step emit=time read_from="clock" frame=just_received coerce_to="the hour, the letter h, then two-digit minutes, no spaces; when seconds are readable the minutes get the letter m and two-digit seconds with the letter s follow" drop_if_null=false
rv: 10h13m14s
